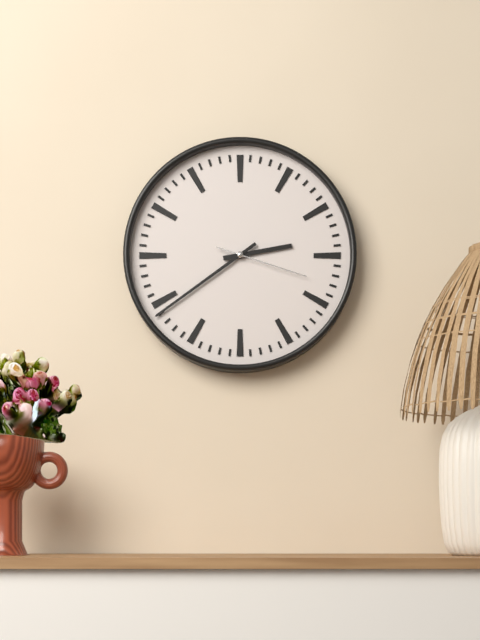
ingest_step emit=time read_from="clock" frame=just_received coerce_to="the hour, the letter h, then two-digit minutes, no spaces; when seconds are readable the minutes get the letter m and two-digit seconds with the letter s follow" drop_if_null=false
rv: 2h39m18s
